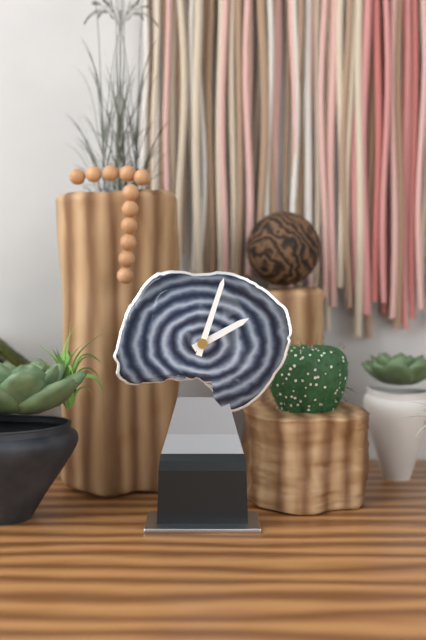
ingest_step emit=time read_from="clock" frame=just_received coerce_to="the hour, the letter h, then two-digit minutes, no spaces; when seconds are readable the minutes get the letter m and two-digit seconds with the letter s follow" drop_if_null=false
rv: 2h03
